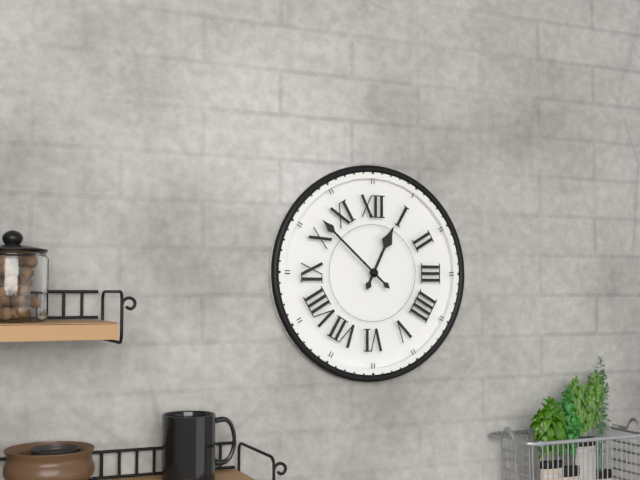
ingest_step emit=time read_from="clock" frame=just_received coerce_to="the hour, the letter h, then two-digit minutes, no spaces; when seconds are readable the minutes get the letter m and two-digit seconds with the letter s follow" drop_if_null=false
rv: 12h52
